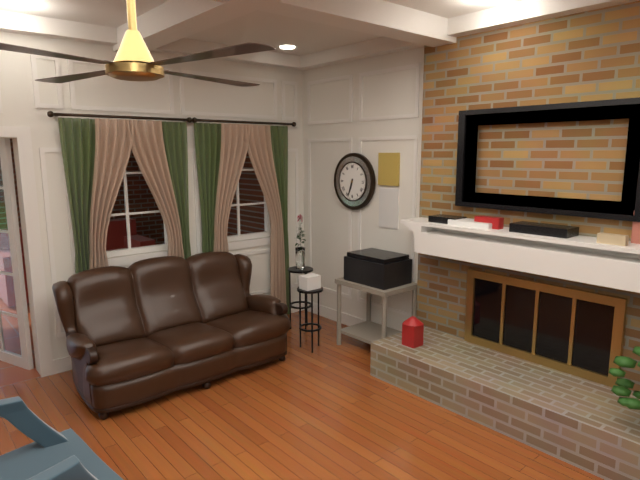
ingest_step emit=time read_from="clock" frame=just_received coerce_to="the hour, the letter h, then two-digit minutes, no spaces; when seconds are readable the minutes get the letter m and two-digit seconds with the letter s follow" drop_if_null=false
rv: 6h33
